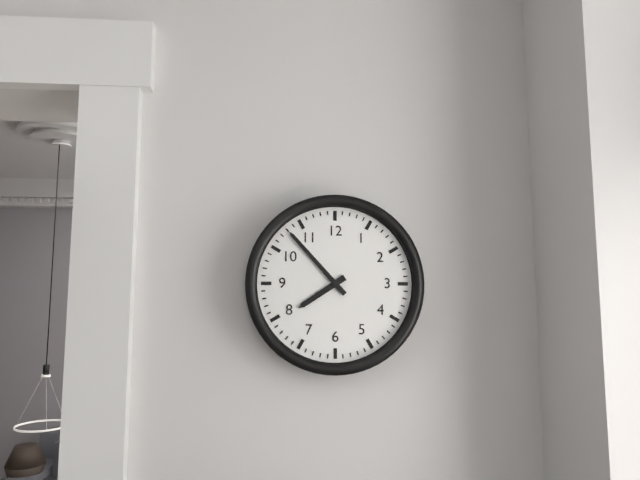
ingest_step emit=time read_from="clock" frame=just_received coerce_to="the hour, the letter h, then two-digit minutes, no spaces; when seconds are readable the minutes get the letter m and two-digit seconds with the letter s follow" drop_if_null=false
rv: 7h53
